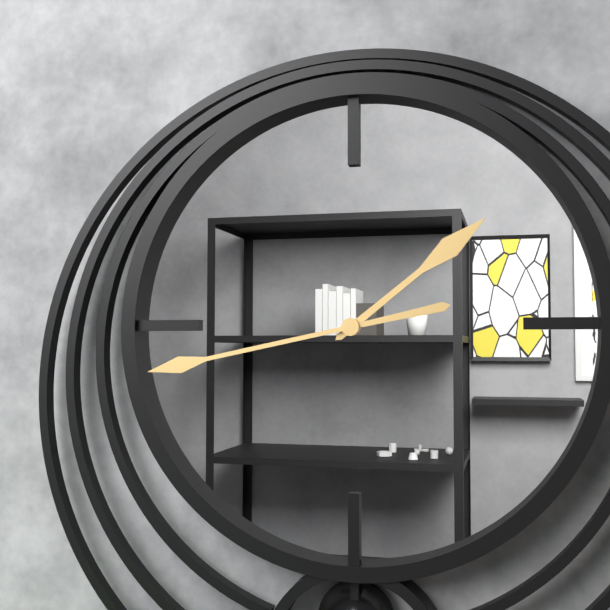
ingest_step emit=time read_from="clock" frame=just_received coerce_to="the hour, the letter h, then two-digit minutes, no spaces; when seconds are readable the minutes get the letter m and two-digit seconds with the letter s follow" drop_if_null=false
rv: 1h43
